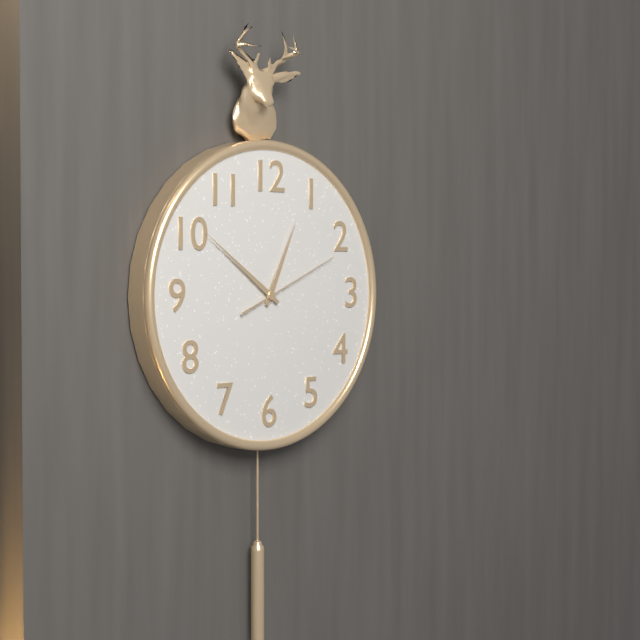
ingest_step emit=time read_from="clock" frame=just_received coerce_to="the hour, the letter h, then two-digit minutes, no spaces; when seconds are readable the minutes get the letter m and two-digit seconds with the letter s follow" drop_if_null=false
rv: 12h51m11s
